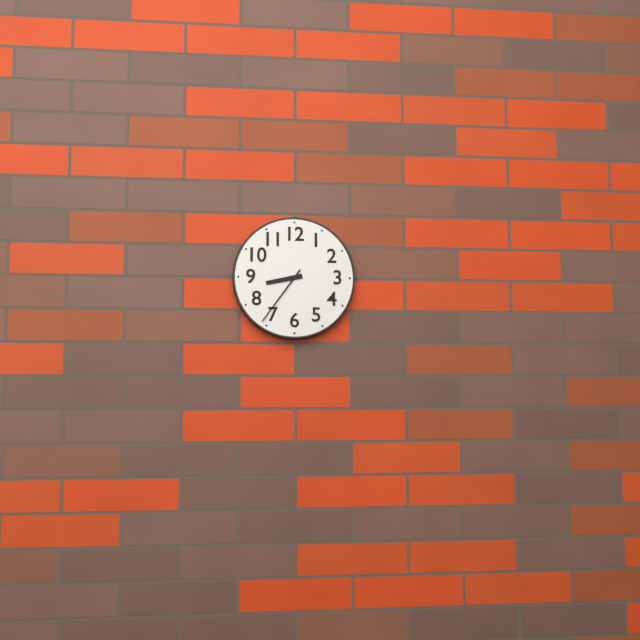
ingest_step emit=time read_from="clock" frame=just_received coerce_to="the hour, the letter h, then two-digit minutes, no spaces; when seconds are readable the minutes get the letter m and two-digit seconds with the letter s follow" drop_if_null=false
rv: 8h36
